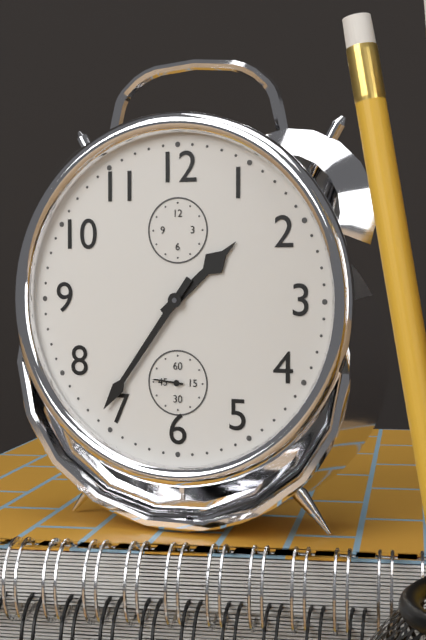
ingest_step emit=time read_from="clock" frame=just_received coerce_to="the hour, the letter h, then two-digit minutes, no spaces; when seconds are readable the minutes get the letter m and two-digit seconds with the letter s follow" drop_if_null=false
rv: 1h36
